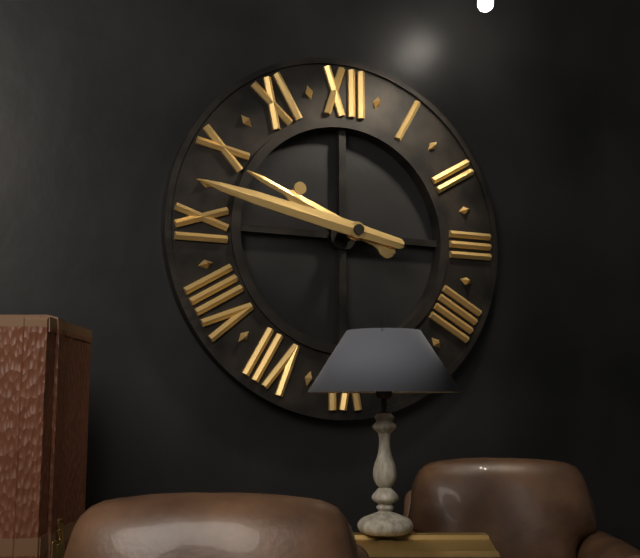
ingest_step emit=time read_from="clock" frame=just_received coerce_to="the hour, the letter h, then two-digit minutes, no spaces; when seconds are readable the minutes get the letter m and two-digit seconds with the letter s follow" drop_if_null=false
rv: 9h47
